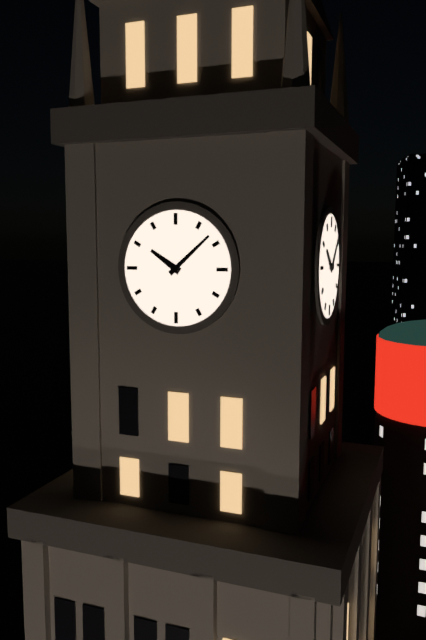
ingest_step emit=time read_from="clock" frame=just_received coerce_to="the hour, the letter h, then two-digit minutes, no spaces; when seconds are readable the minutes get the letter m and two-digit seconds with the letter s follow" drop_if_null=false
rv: 10h08
